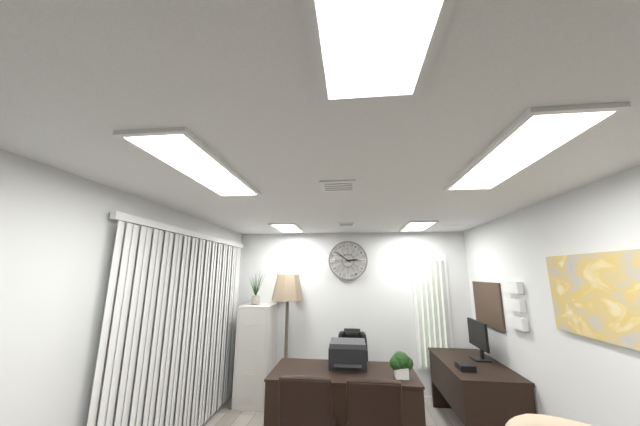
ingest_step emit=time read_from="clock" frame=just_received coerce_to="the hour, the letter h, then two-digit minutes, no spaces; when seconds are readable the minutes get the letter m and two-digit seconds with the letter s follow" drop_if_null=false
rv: 2h51
